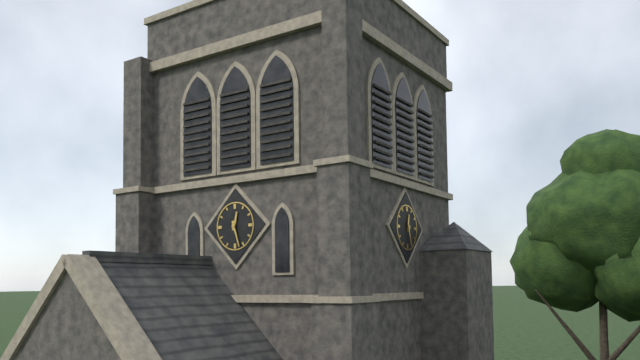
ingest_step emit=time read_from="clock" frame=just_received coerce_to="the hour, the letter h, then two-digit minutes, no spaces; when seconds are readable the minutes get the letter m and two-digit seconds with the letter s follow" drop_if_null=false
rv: 12h27
